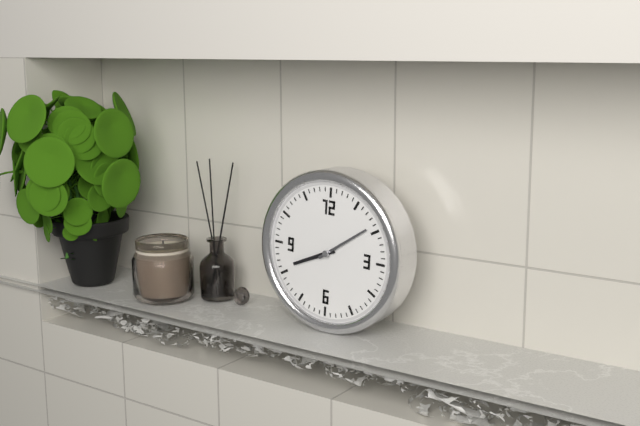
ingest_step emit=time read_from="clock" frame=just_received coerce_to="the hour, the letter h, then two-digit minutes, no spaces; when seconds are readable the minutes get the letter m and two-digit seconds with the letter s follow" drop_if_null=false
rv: 8h09
